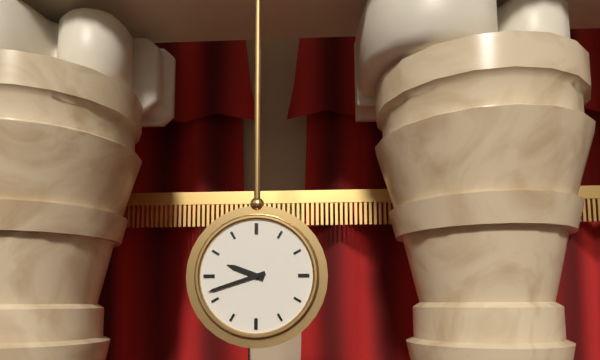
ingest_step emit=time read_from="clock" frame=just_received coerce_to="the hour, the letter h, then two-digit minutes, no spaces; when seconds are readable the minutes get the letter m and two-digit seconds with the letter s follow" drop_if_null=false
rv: 9h42
